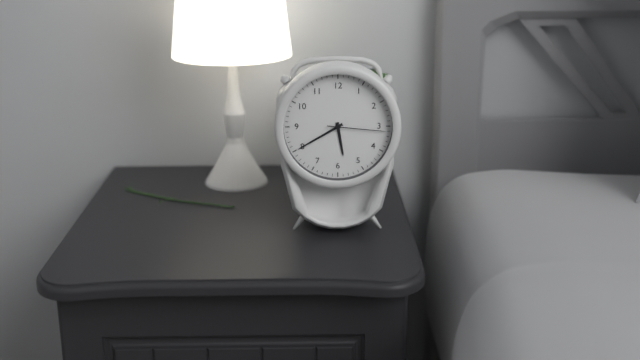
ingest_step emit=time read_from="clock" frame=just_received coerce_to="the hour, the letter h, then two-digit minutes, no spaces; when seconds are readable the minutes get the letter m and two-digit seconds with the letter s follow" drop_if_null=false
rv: 5h40m16s
